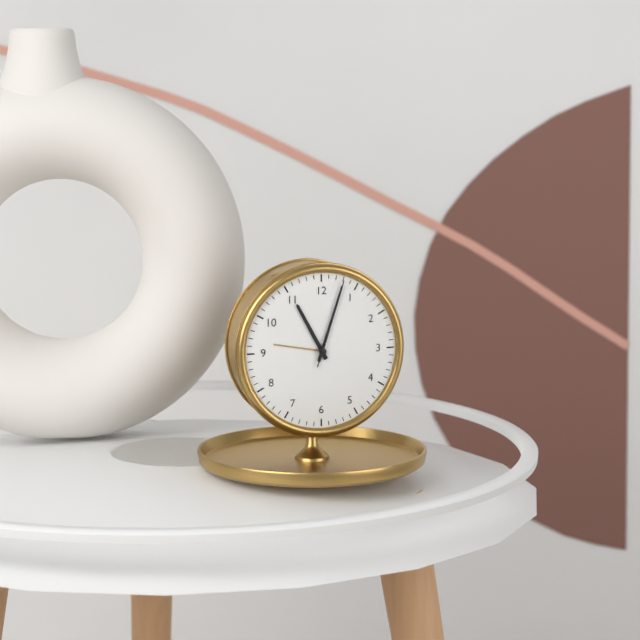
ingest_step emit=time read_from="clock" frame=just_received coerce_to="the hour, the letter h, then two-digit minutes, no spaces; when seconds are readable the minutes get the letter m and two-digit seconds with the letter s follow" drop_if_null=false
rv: 11h03m03s
